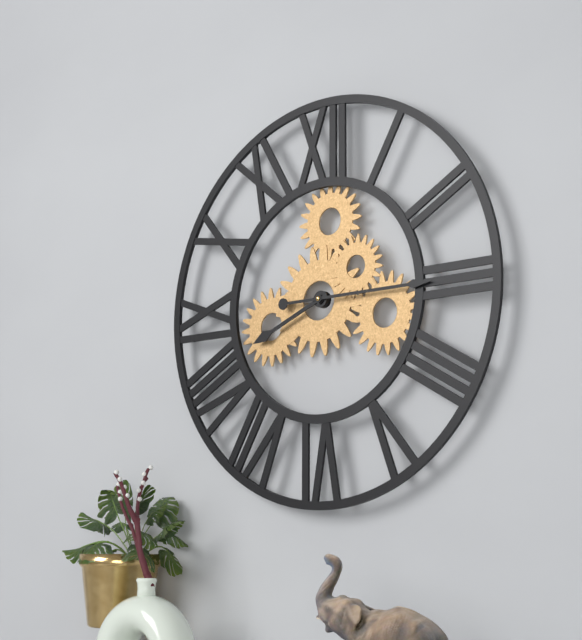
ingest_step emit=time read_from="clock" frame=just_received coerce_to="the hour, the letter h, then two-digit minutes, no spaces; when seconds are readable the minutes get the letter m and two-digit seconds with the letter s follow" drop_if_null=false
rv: 8h15
